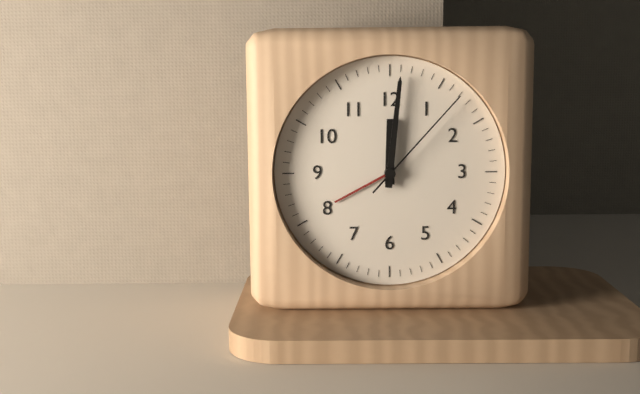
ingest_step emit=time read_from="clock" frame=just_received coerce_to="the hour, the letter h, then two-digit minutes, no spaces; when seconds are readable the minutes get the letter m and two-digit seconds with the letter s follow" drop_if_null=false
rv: 12h01m07s
